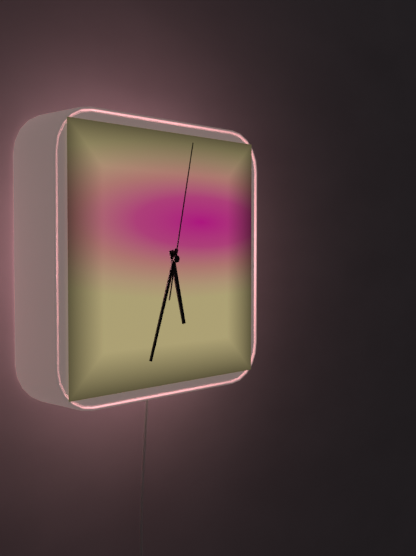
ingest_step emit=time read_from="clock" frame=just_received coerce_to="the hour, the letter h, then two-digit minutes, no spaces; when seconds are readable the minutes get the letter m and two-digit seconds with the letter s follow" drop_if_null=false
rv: 5h33m02s
